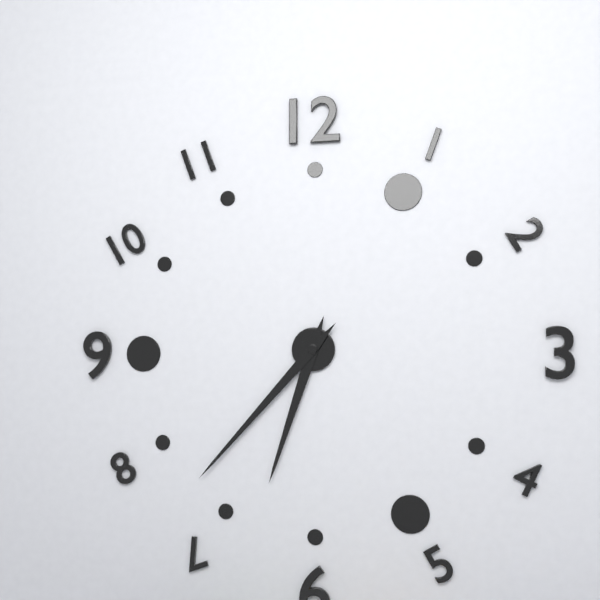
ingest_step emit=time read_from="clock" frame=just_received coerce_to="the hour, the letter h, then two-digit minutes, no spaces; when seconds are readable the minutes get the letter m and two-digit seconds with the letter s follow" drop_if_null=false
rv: 6h37
